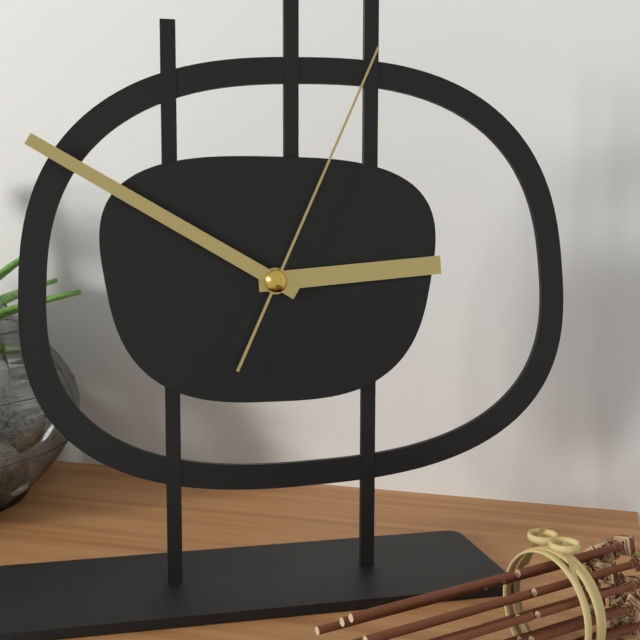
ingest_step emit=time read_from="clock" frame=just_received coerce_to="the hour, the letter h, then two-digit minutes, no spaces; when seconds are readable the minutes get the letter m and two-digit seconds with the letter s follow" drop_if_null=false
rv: 2h50m04s
